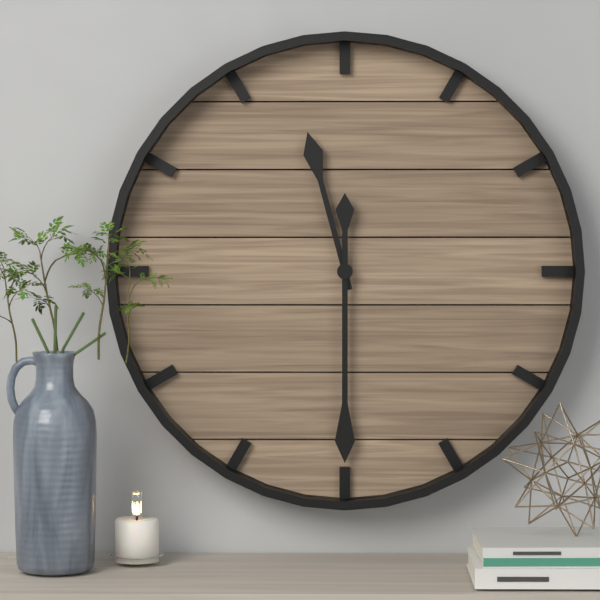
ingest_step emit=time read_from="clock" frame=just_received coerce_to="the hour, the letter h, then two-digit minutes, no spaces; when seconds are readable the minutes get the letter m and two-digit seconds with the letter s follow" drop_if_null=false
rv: 11h30
